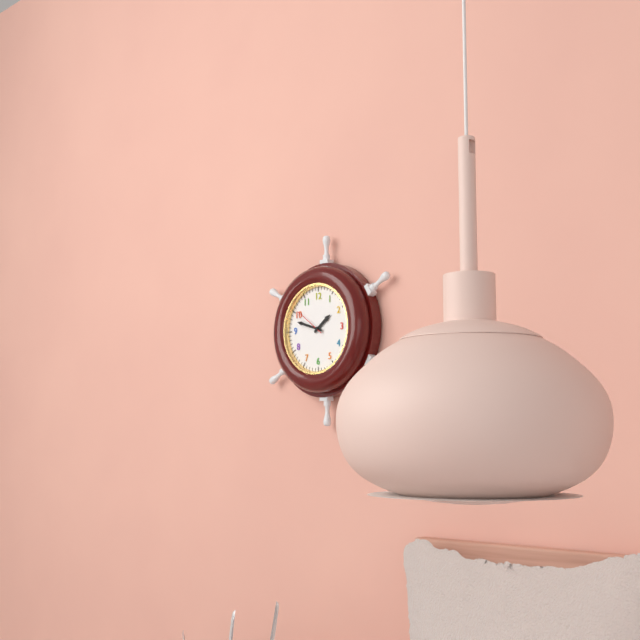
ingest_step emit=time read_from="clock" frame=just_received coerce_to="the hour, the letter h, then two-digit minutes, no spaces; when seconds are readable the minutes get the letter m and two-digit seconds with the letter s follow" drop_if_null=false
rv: 1h48
